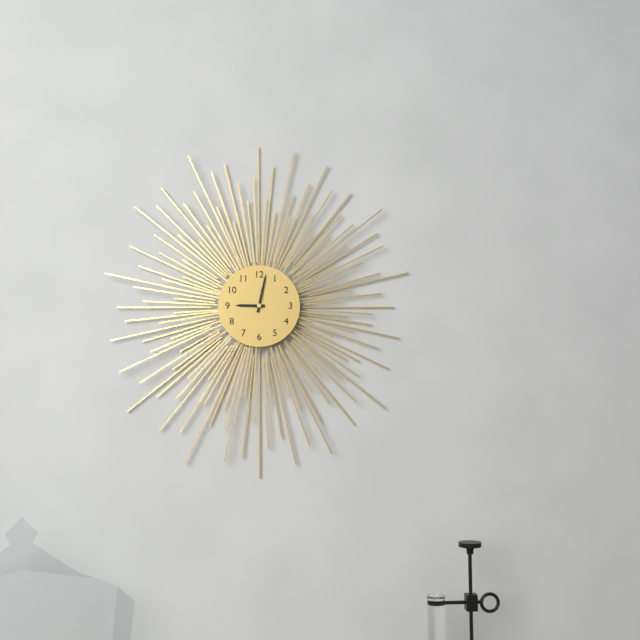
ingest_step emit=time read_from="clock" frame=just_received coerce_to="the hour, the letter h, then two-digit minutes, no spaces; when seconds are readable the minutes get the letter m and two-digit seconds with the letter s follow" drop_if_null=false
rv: 9h02
